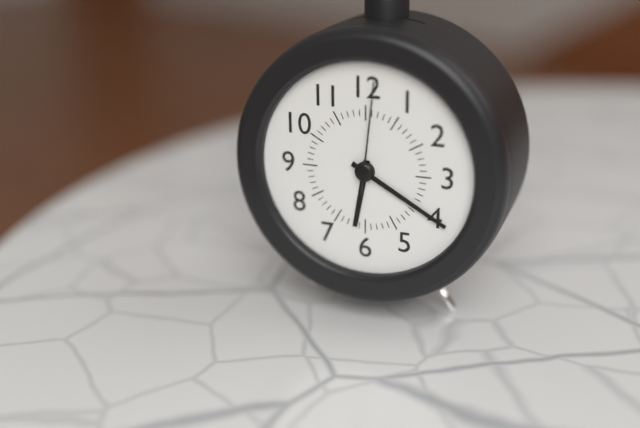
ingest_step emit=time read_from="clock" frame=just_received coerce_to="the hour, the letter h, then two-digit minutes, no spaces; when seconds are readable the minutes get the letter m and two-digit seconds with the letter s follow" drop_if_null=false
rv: 6h20m01s
